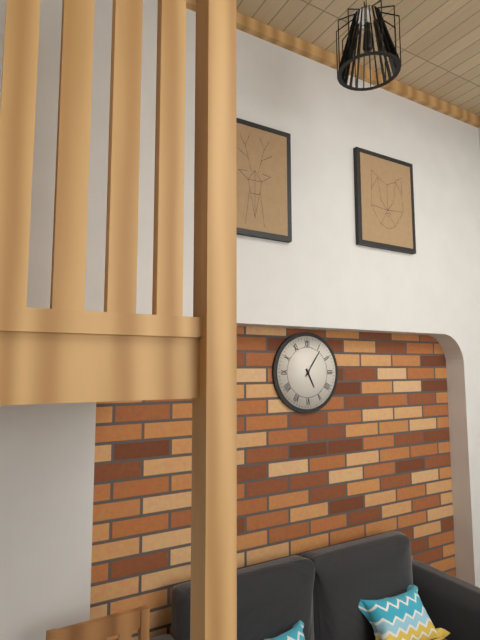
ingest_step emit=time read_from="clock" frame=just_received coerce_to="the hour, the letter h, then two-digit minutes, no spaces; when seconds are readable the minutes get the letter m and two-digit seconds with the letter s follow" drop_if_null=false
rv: 5h06
